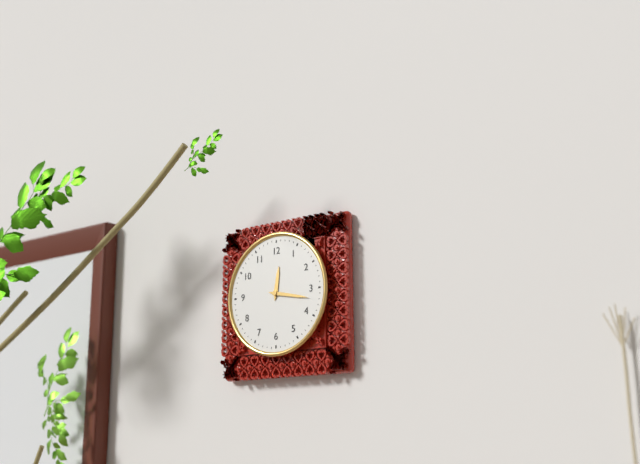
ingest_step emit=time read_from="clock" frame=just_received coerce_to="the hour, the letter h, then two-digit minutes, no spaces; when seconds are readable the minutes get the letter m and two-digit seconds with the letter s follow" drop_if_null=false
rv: 12h17
